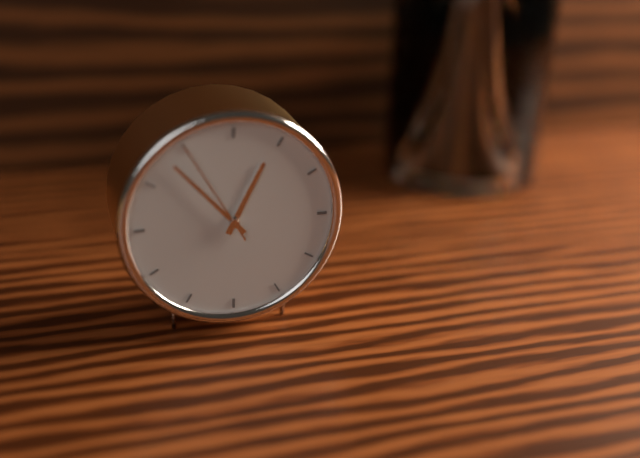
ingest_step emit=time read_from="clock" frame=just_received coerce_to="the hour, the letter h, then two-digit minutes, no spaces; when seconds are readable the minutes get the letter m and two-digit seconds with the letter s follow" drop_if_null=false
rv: 12h53m55s
